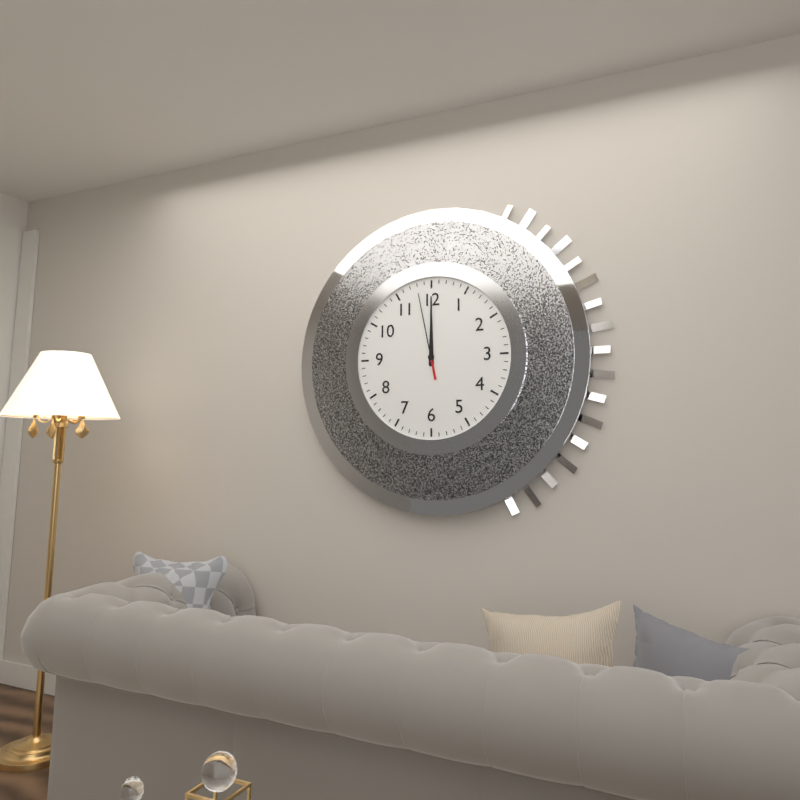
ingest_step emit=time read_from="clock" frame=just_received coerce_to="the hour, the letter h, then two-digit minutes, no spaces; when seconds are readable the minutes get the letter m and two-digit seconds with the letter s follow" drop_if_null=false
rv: 12h00m58s
